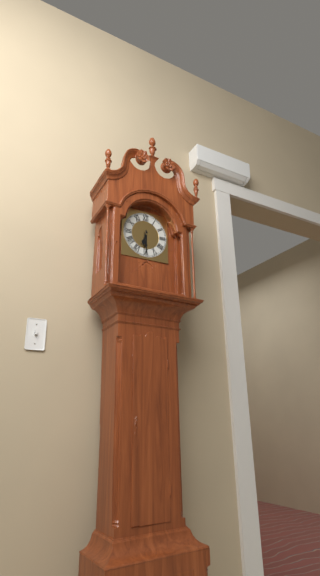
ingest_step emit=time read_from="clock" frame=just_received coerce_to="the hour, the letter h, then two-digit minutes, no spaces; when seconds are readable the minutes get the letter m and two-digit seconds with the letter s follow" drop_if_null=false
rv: 6h30
